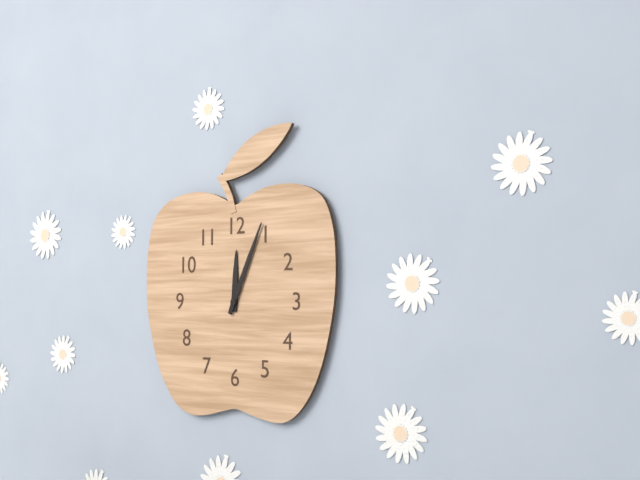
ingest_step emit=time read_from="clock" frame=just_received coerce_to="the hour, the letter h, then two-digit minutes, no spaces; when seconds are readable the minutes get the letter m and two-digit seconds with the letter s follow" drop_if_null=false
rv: 12h04
